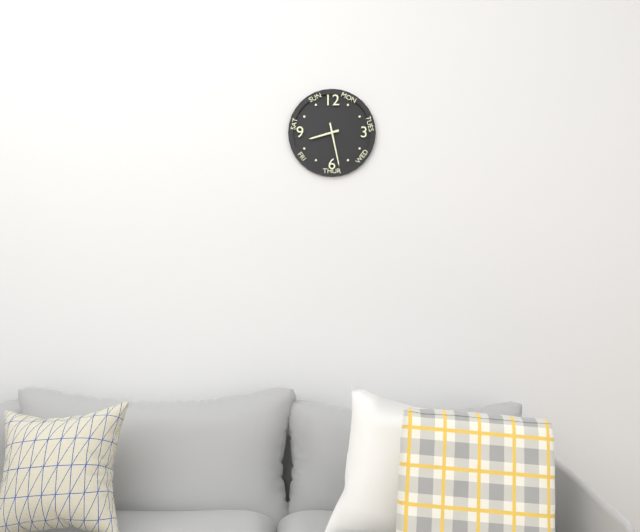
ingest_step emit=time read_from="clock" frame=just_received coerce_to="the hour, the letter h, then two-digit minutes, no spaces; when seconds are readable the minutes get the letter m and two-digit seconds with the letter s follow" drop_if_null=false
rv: 8h28
